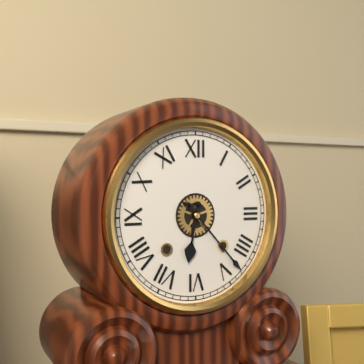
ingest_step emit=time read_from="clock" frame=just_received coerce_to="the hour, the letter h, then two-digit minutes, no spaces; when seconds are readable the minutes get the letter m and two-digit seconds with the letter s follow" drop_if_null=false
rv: 6h23
